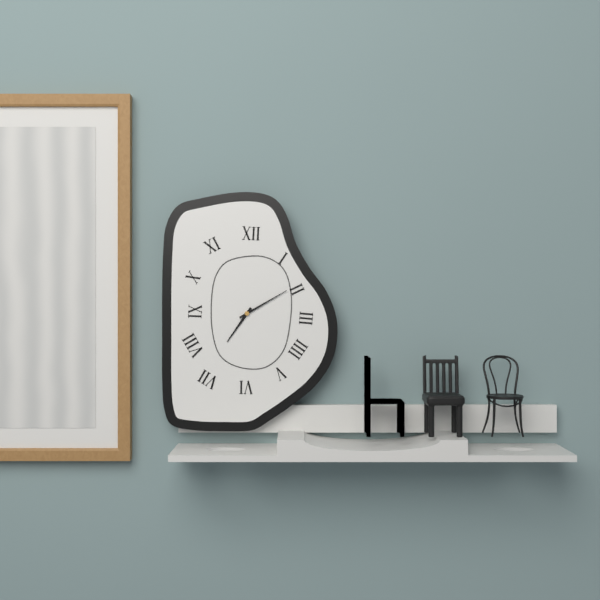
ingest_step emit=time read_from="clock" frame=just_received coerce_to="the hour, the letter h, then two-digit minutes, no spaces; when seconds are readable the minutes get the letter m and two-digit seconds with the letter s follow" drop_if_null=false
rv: 7h10
